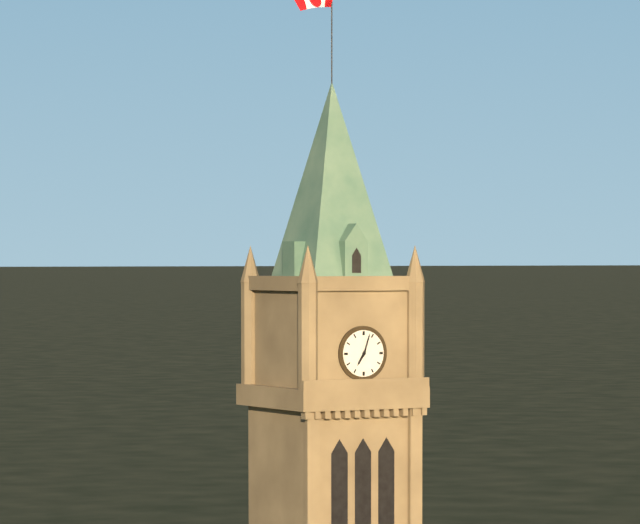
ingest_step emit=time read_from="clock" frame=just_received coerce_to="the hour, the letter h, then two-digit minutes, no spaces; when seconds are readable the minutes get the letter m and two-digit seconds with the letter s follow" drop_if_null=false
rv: 7h03
